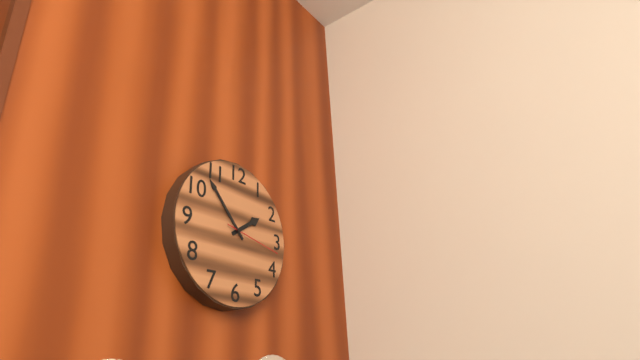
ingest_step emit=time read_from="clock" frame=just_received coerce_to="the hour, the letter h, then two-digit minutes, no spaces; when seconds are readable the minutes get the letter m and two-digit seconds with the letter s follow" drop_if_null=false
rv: 1h53m17s
